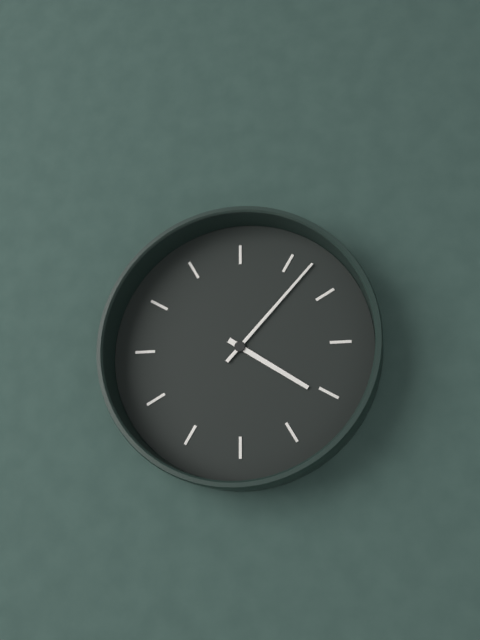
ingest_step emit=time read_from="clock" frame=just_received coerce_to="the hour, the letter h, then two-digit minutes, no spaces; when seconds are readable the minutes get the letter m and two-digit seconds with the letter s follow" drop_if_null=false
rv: 4h07
